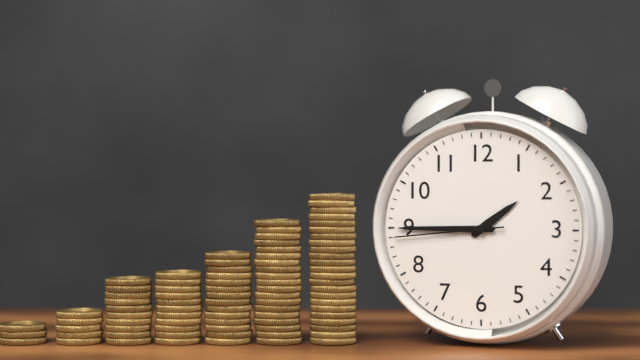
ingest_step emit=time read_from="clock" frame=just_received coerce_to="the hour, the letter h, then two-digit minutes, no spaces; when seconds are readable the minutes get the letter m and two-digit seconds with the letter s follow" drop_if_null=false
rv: 1h45m44s
